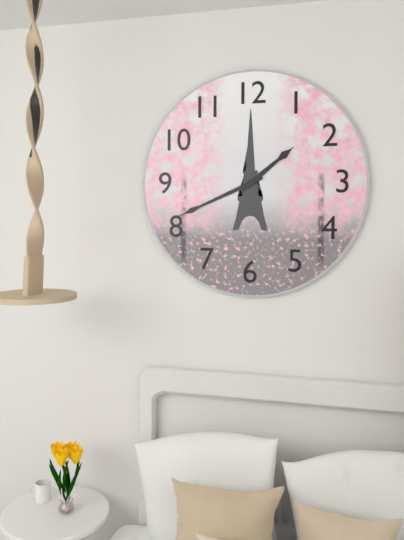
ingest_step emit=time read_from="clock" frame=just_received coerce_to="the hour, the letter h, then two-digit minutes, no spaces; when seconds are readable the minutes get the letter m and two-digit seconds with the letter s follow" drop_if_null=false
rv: 1h41
